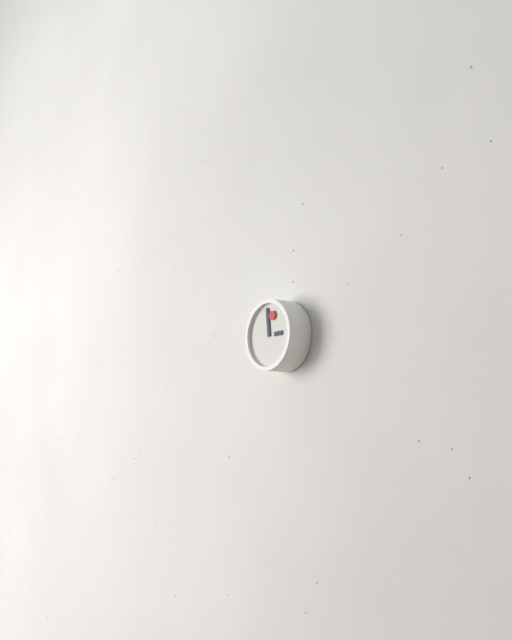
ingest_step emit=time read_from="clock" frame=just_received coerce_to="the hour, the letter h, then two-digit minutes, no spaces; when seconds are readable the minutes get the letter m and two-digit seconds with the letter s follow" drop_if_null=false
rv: 2h59
